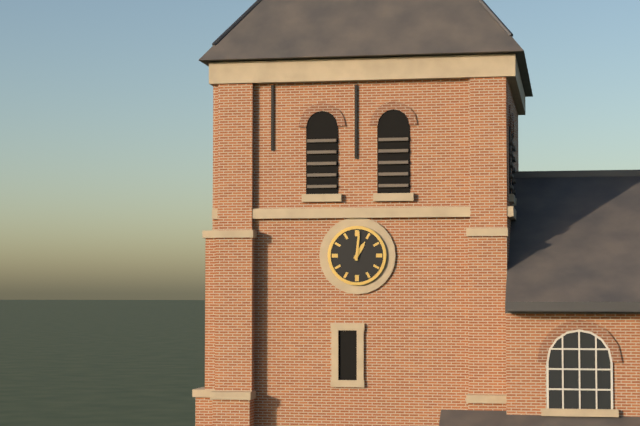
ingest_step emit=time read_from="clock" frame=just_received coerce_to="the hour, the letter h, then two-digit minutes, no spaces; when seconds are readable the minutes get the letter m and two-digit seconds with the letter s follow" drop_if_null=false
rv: 1h01
